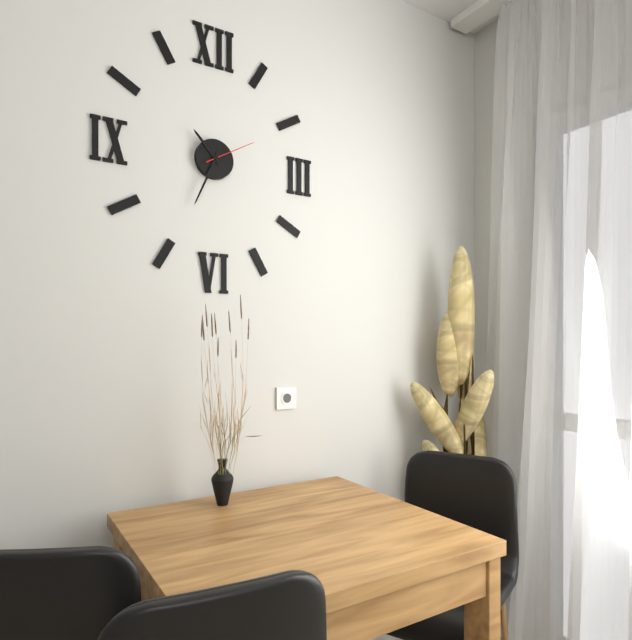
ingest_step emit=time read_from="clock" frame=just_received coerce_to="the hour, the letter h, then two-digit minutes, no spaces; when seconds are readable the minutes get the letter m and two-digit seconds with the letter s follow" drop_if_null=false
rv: 10h34m10s
